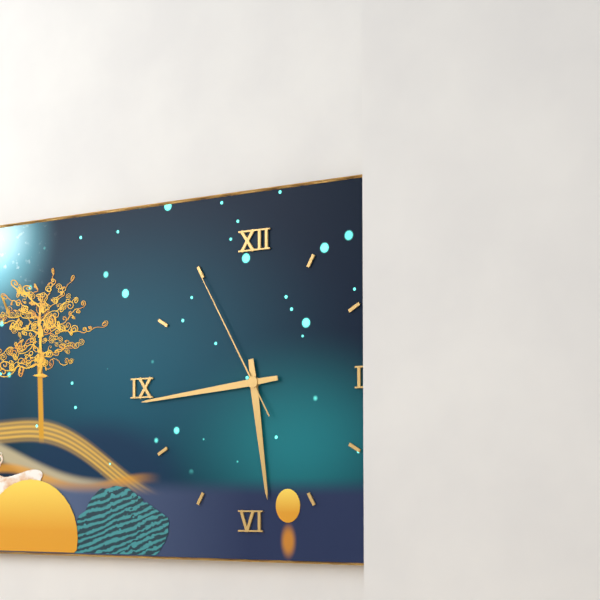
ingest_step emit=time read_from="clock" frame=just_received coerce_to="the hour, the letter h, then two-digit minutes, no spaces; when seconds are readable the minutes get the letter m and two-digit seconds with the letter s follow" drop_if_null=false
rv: 5h44m55s
